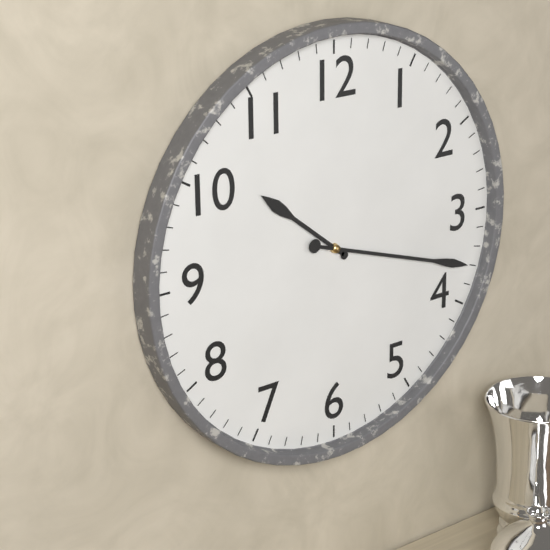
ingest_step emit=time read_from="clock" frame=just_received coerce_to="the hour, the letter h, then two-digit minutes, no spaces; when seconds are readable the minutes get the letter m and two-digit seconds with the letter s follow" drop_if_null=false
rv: 10h18
